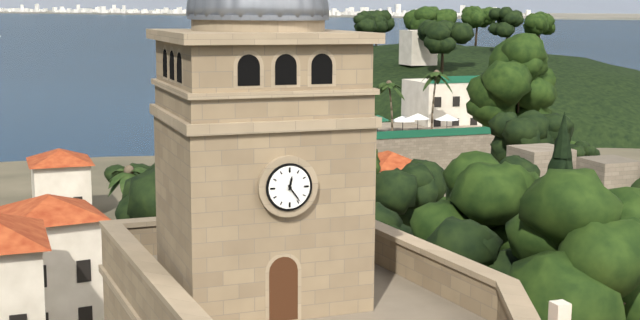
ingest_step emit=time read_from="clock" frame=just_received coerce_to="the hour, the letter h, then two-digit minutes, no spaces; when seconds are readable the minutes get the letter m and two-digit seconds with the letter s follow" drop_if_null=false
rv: 12h24
